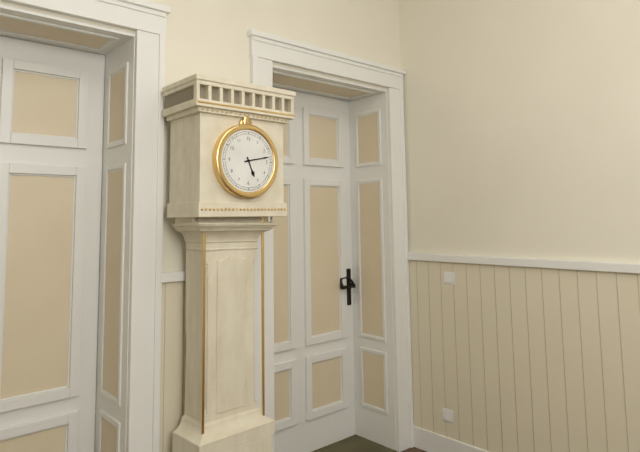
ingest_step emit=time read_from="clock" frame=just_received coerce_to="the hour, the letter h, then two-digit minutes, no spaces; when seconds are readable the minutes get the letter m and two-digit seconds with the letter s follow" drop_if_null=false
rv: 5h13
